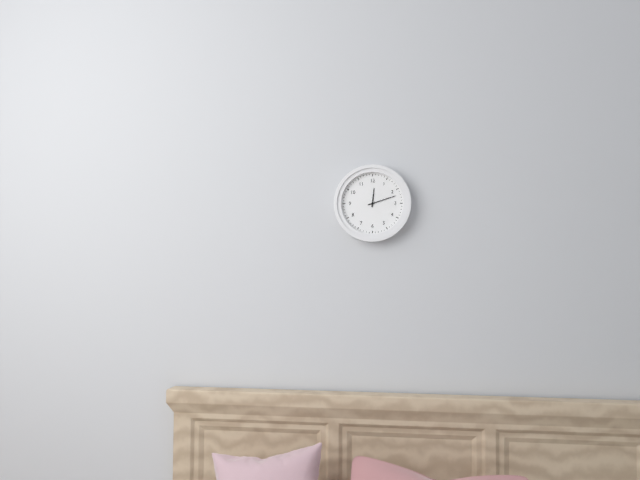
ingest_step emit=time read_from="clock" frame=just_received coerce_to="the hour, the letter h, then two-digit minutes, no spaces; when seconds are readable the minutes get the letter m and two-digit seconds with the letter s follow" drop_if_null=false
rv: 12h12
